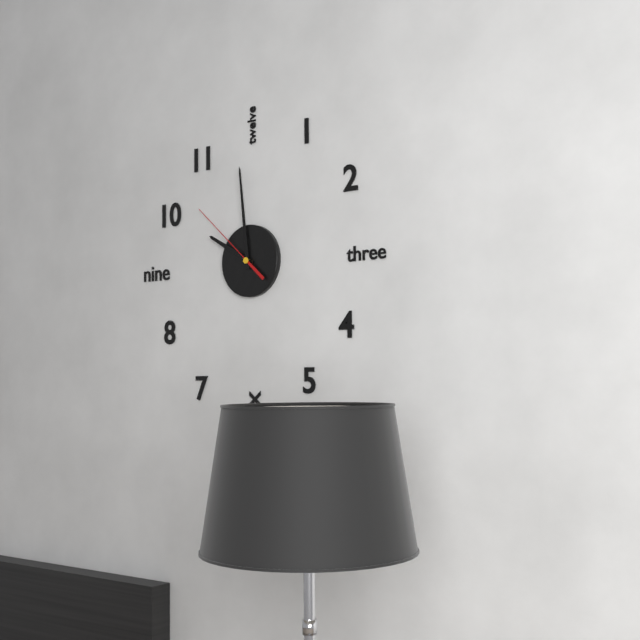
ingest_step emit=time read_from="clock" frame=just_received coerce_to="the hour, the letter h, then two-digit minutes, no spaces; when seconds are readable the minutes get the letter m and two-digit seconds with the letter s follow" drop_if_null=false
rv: 9h59m52s
